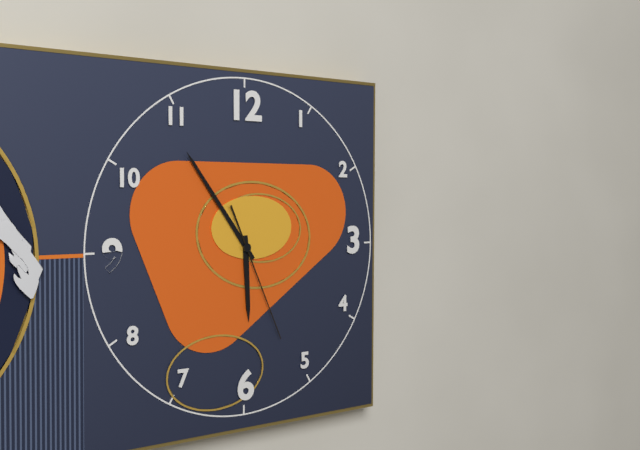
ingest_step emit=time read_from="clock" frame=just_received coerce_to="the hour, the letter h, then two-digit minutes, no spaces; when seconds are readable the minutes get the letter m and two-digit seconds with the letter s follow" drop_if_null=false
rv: 5h54m26s
